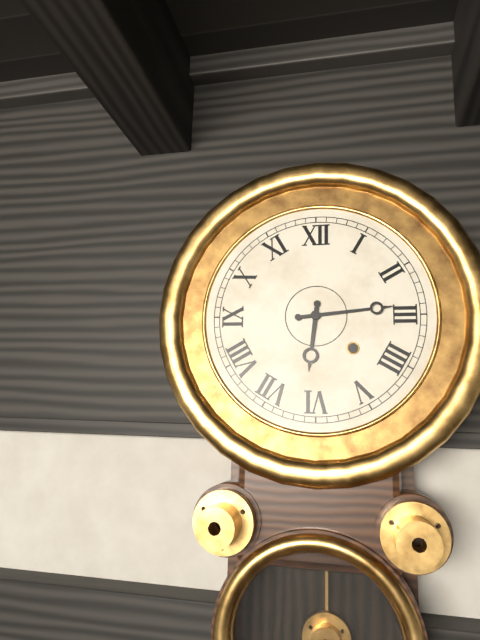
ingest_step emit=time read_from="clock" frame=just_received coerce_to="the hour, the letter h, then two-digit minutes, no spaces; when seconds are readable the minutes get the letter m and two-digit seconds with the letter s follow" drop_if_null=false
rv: 6h14
